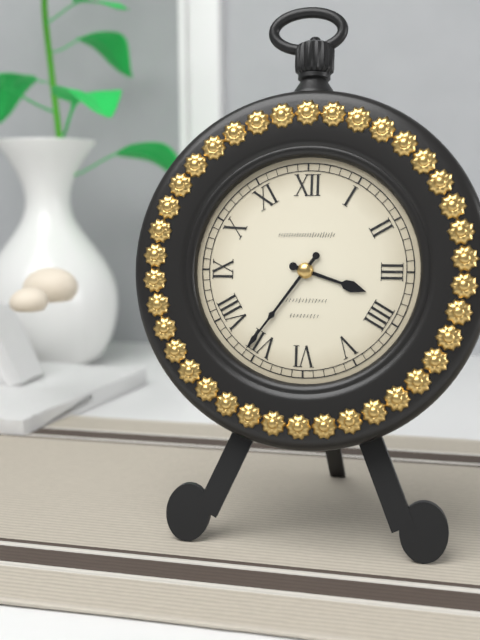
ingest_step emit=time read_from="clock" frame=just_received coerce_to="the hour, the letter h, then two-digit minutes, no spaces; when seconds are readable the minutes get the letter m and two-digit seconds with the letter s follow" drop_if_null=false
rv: 3h36
